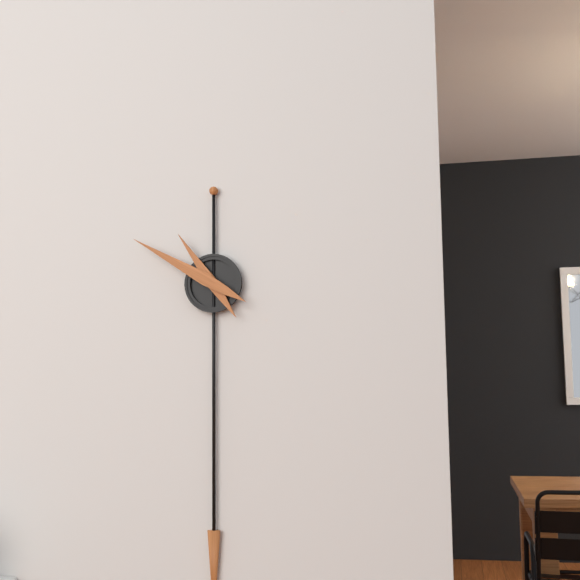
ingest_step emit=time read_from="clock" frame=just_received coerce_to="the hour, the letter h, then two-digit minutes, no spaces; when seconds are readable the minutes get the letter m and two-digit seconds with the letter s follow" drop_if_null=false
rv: 10h50
